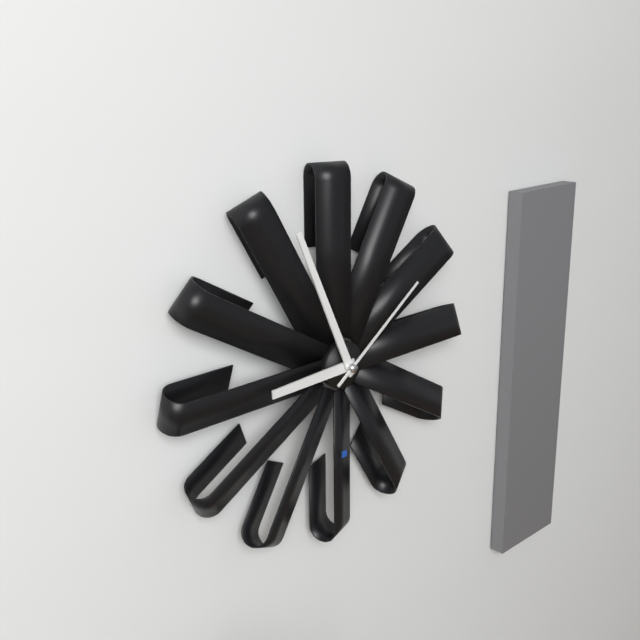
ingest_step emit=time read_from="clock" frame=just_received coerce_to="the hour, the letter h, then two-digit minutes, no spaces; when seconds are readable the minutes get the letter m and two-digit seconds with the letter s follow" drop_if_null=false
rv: 8h56m09s
